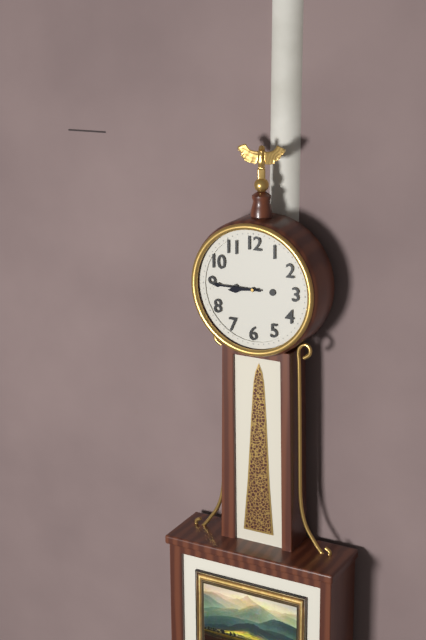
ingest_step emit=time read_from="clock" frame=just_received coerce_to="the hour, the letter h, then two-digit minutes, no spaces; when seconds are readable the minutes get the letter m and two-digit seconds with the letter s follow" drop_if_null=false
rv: 8h45
